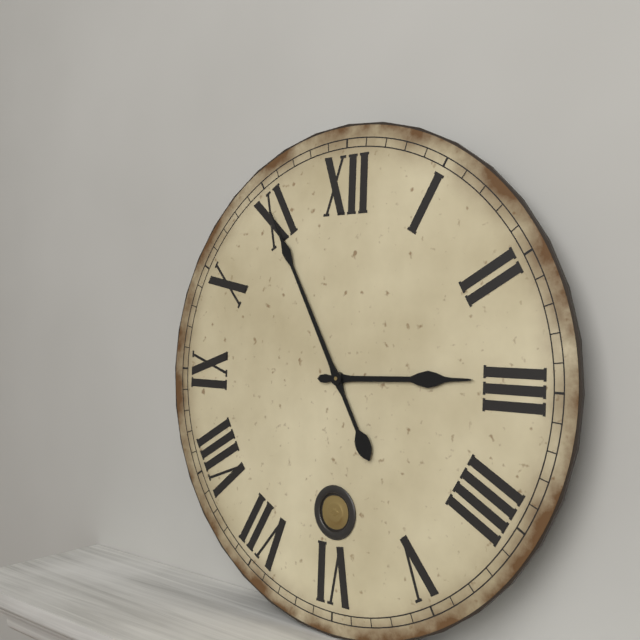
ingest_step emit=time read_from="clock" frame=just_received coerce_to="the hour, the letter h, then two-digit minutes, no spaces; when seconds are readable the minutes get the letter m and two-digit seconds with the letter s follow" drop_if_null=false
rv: 2h55
